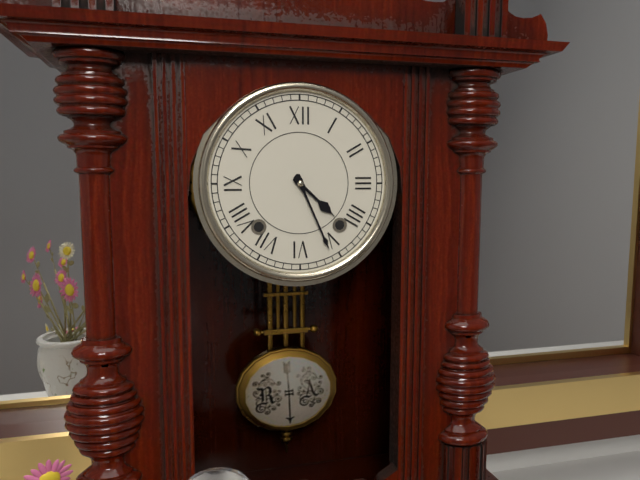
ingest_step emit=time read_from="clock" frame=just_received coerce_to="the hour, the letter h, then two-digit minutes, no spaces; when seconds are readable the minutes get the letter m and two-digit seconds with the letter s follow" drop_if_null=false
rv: 4h26
